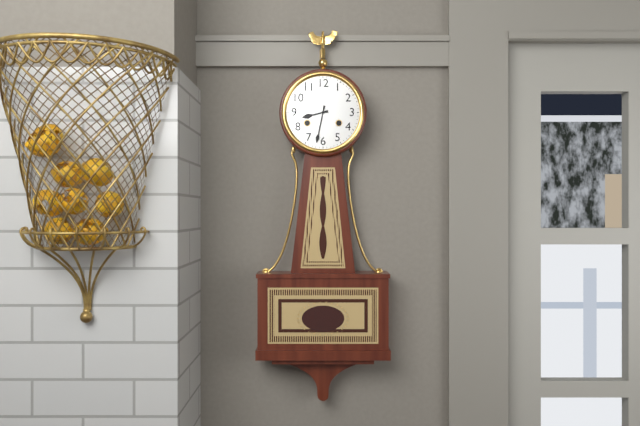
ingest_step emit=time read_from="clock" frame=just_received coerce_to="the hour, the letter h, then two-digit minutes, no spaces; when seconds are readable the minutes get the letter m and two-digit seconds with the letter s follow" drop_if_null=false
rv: 8h32
